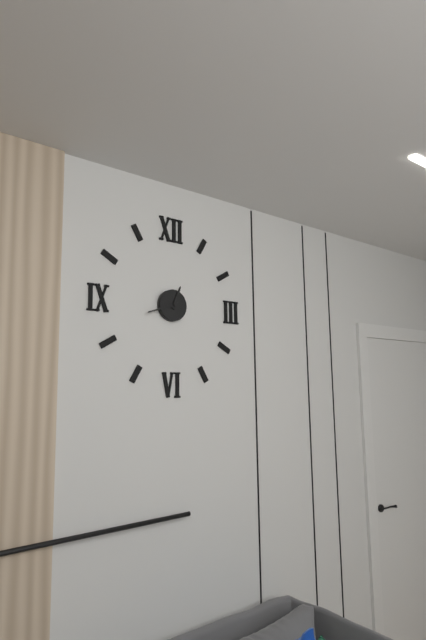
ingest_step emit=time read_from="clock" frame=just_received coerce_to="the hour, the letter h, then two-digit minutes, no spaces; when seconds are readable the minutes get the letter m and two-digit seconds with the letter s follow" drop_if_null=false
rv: 12h42
